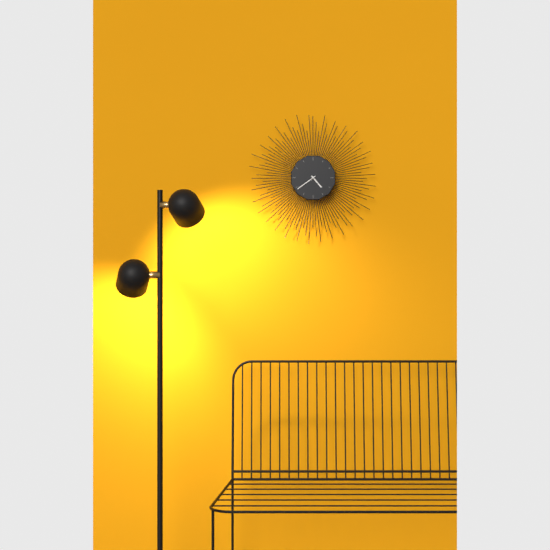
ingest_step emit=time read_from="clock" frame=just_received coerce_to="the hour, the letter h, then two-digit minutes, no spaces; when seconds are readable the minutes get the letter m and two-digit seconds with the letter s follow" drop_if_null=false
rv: 4h39
